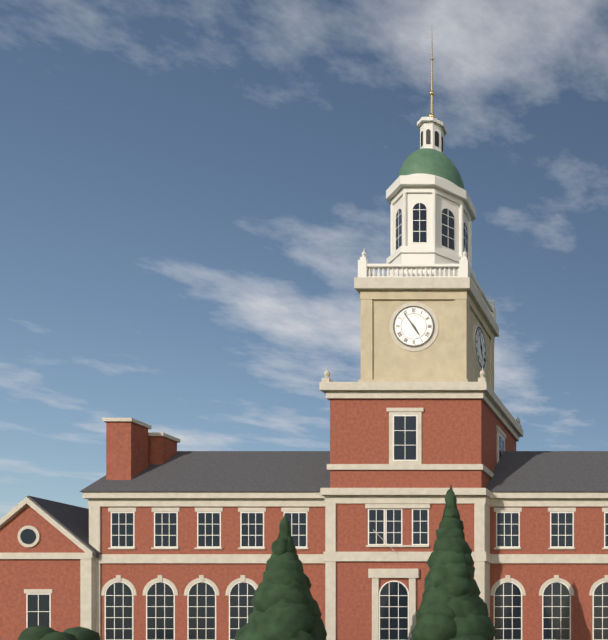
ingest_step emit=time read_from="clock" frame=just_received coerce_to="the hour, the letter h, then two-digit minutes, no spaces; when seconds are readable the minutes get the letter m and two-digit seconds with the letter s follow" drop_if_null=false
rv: 4h54
